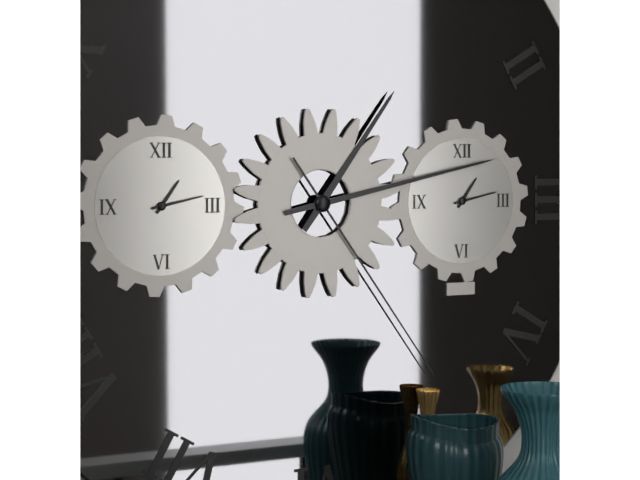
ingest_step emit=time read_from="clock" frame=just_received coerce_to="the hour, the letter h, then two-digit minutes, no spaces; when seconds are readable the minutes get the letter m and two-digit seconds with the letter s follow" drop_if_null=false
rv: 1h13m24s
